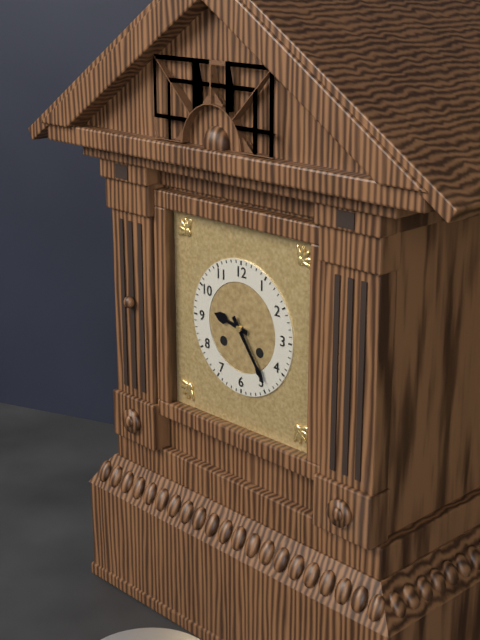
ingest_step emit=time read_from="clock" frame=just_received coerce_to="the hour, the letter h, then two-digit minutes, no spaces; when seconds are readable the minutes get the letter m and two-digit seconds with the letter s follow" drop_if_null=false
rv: 9h24
